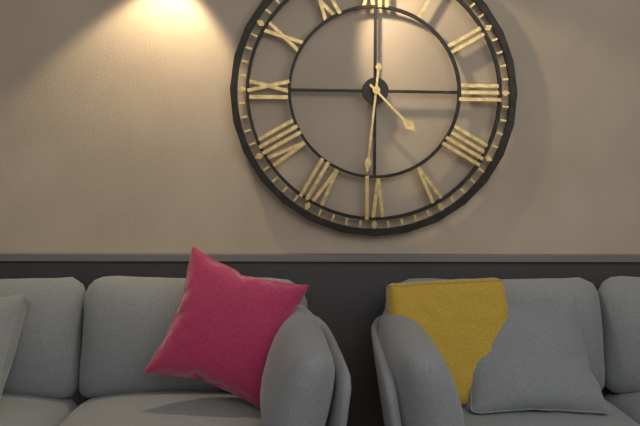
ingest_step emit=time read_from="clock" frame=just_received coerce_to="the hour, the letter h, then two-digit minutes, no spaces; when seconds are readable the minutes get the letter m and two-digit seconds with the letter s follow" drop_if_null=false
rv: 4h31
